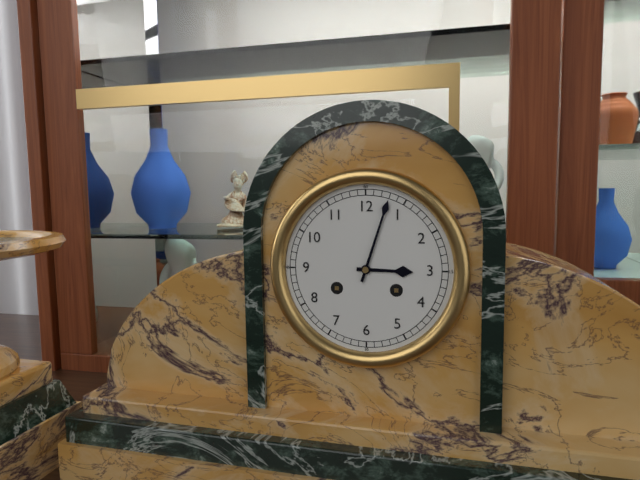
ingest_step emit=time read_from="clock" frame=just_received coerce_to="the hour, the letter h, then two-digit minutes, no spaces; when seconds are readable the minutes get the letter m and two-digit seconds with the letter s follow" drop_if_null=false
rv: 3h03
